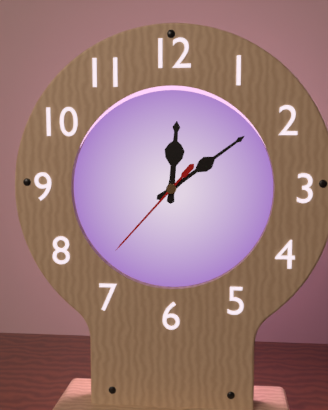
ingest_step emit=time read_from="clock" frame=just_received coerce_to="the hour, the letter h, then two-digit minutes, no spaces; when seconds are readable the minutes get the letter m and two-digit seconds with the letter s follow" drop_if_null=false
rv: 12h09m37s
